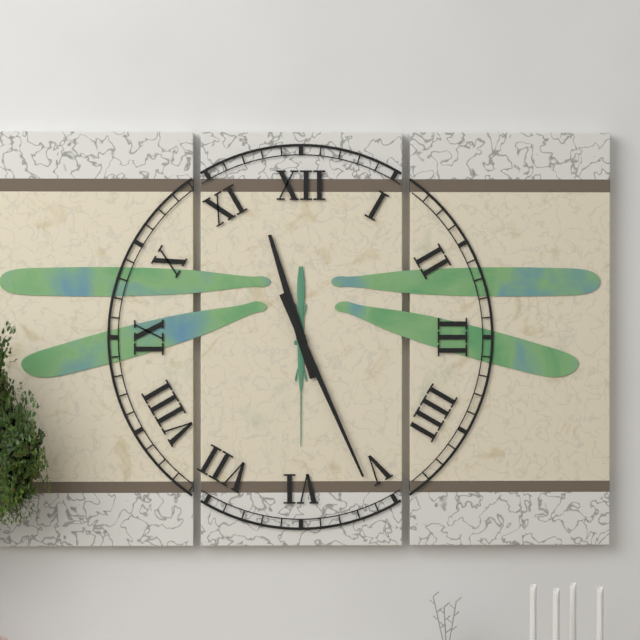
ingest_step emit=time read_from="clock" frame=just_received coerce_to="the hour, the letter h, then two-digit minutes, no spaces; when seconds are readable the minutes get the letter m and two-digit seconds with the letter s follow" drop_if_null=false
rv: 11h26
